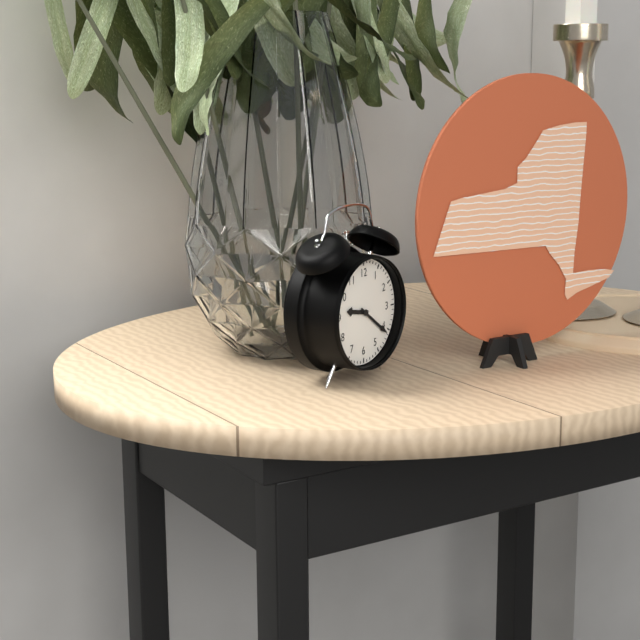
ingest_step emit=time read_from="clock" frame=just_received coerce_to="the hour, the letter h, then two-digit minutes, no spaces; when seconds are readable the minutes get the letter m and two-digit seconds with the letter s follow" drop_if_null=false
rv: 9h21
